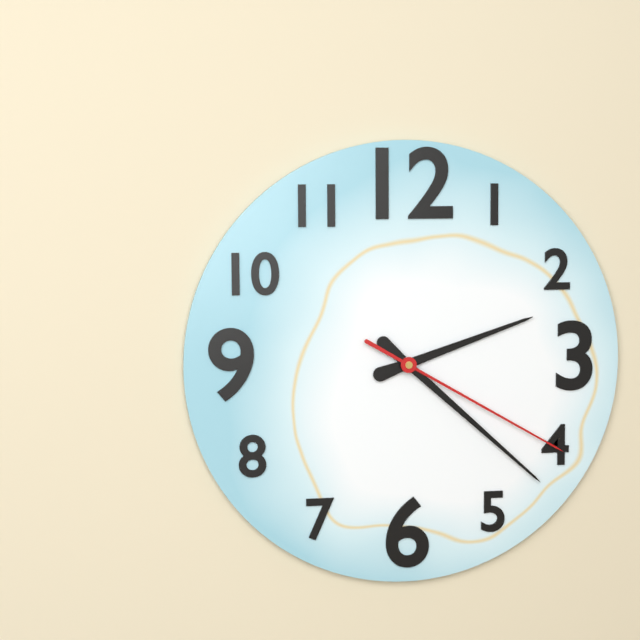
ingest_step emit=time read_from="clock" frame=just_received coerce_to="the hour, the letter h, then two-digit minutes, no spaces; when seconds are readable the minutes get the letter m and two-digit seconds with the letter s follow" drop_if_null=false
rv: 2h22m20s
